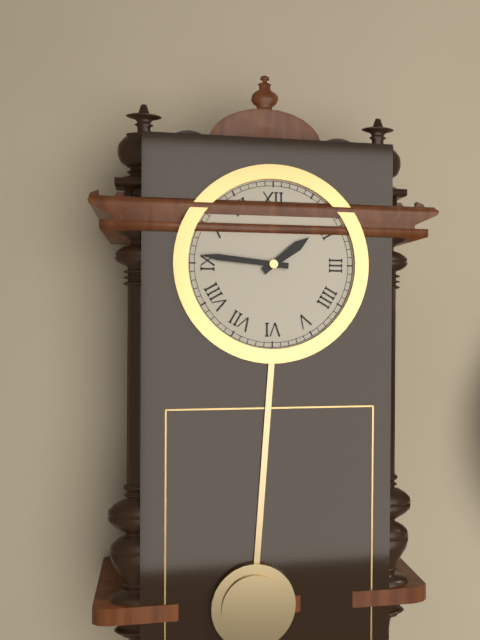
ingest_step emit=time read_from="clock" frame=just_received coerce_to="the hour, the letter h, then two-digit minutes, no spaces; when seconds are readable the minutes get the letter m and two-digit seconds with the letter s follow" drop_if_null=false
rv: 1h46
